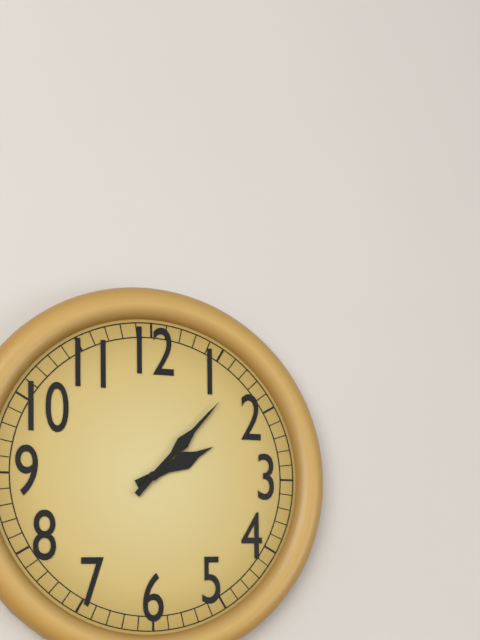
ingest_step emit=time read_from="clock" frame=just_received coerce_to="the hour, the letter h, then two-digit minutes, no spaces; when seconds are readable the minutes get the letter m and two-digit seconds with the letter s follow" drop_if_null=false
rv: 2h07
